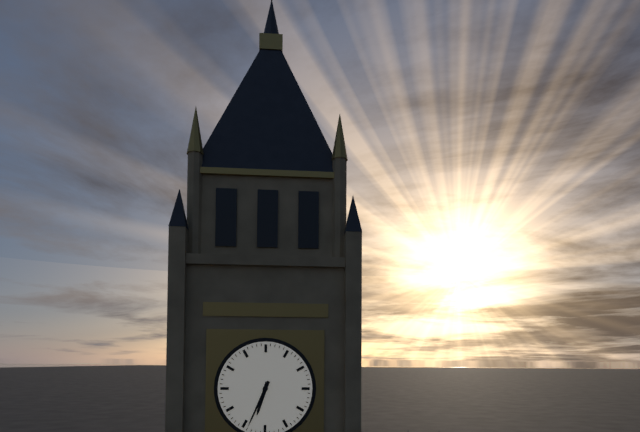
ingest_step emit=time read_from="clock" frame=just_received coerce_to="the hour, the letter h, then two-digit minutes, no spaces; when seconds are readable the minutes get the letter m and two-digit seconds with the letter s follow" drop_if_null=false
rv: 6h34
